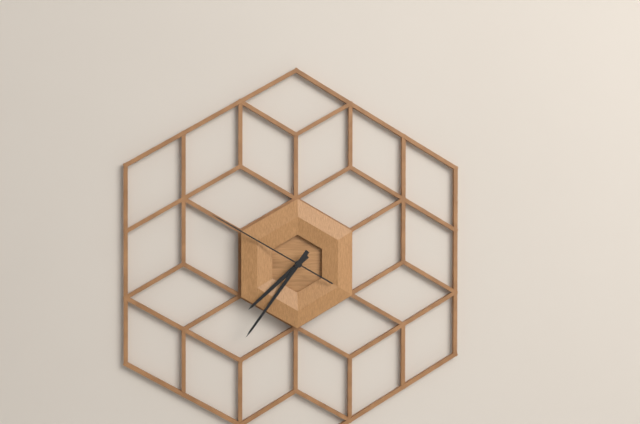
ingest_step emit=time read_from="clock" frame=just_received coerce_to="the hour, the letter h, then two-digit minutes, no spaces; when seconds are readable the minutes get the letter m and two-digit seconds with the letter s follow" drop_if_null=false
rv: 7h36m50s
